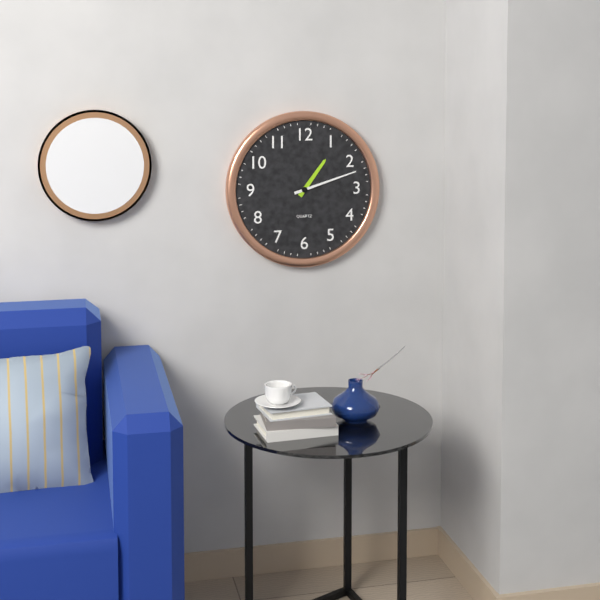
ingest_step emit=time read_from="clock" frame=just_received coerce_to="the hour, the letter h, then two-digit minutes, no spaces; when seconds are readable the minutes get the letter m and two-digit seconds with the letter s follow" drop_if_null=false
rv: 1h12
